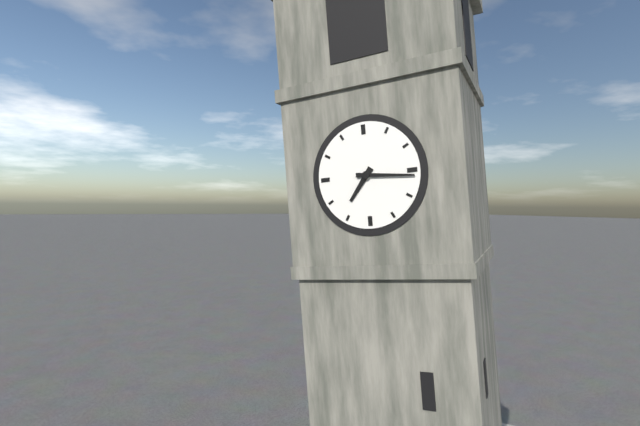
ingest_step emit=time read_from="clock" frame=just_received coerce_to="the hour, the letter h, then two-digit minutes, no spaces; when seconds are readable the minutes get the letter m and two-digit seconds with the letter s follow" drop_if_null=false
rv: 7h16
